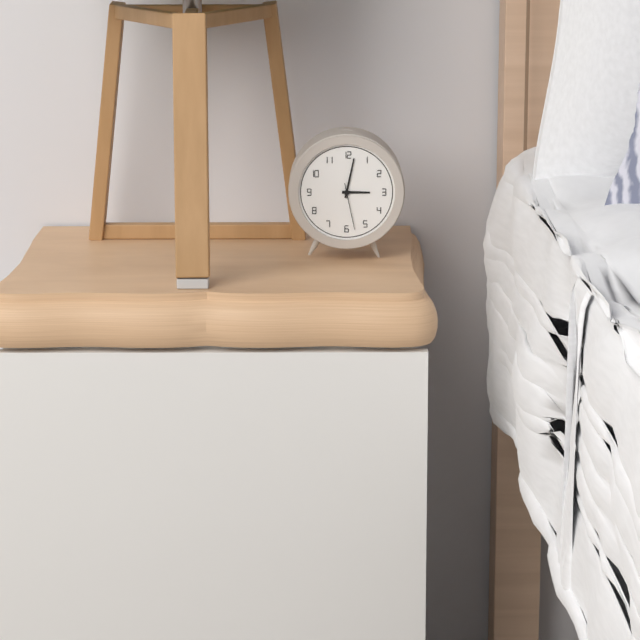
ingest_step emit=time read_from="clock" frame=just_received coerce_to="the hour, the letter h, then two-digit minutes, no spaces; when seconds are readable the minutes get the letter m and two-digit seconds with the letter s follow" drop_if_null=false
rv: 3h02
